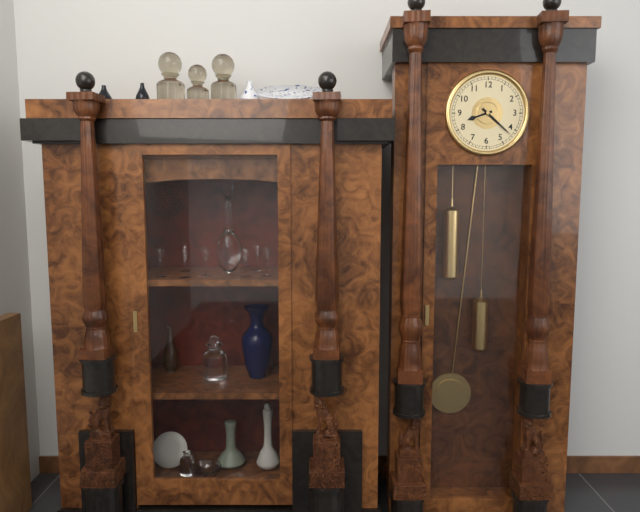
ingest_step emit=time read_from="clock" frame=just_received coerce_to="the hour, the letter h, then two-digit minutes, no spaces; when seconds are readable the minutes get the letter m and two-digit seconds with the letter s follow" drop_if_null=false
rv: 8h22
